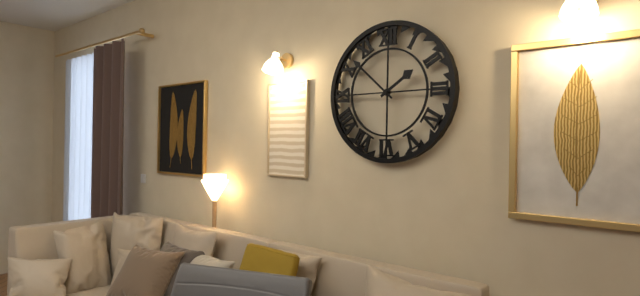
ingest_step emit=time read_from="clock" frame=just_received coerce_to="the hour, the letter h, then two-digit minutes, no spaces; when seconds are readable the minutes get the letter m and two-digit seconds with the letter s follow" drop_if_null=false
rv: 1h52
